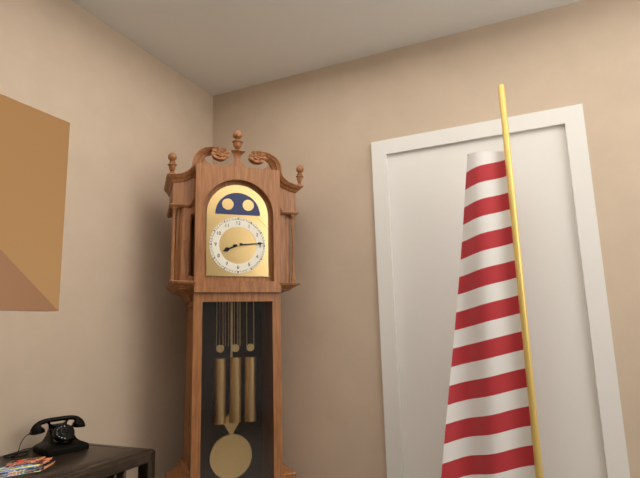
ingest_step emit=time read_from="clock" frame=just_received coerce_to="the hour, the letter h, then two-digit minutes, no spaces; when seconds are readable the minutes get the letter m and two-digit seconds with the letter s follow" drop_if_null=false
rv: 8h14
